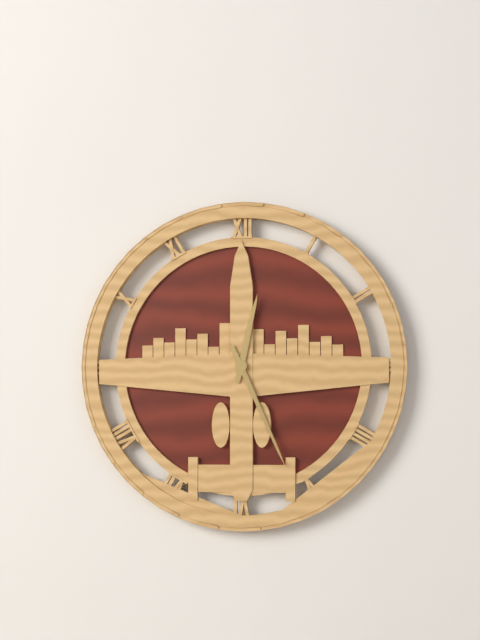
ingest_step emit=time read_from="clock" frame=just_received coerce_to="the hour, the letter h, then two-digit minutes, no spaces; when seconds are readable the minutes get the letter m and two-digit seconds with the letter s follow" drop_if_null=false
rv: 12h26
